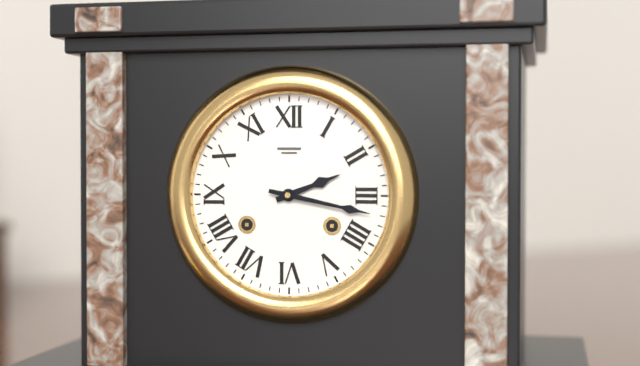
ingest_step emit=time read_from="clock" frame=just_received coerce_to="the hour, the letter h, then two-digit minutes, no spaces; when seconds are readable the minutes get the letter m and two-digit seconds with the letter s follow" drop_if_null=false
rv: 2h17
